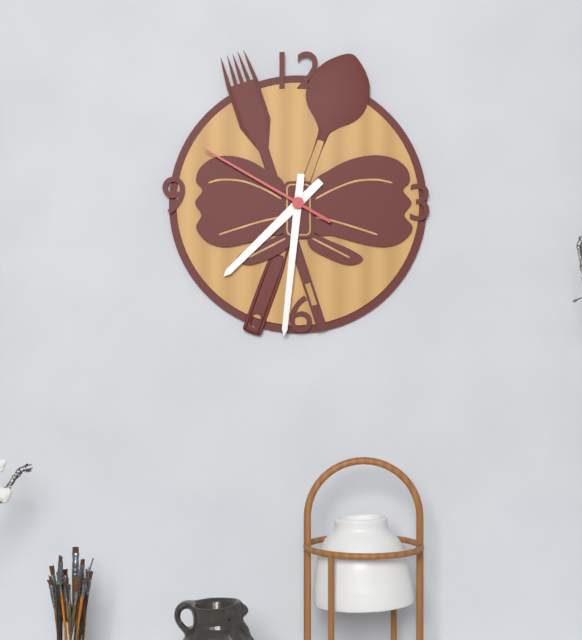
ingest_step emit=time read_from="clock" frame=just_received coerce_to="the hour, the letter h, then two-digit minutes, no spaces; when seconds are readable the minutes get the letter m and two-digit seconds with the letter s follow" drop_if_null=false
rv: 7h31m50s
